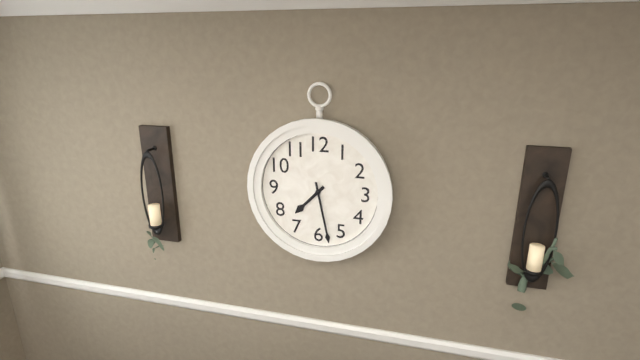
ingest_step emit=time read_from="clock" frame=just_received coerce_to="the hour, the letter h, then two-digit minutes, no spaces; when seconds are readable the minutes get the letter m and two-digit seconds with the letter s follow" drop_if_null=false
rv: 7h28
